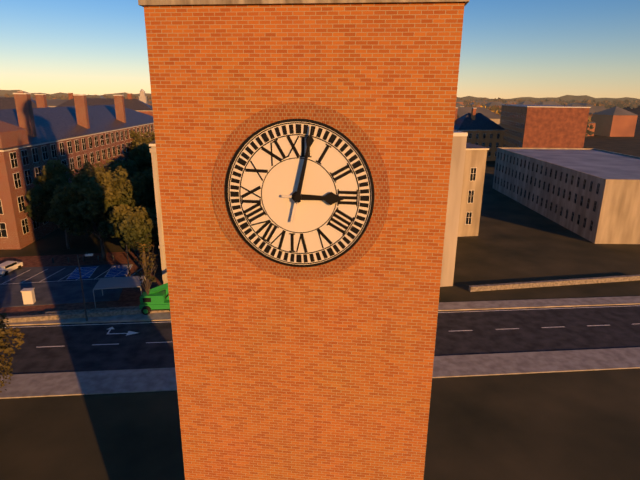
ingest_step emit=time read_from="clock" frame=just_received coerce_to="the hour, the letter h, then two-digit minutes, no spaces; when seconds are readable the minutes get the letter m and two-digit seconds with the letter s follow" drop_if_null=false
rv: 3h02
